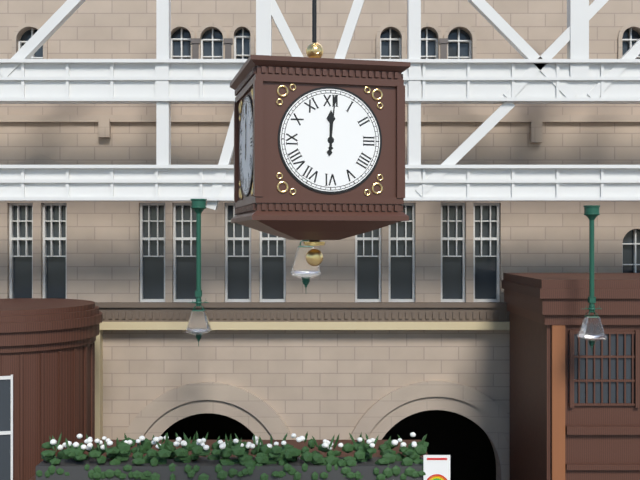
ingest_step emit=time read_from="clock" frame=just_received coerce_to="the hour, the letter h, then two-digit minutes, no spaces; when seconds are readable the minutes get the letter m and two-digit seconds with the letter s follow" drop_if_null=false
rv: 12h01
